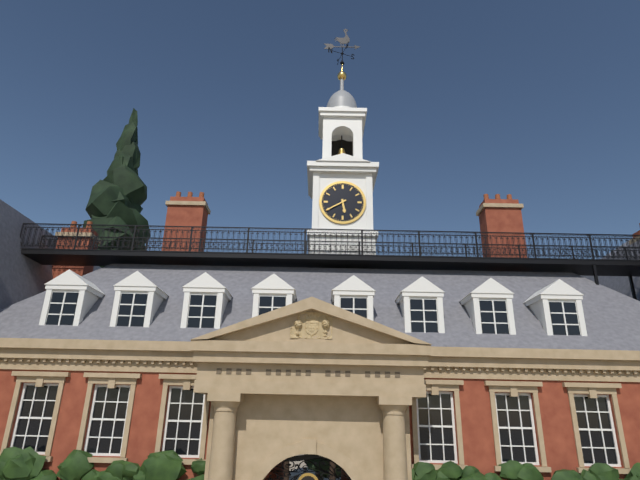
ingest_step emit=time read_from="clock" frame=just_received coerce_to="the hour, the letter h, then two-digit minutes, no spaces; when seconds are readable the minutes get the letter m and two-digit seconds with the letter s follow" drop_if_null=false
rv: 5h40
